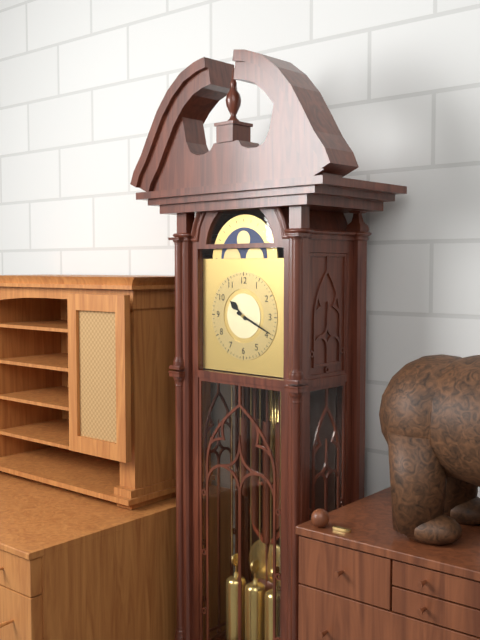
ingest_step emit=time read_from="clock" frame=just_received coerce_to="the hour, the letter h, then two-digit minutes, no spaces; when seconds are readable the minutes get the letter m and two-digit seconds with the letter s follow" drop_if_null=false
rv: 10h19
